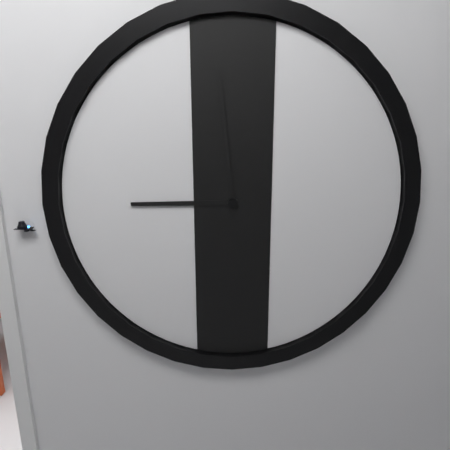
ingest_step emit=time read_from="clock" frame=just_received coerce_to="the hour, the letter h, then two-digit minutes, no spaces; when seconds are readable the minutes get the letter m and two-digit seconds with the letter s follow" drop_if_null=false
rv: 8h59
